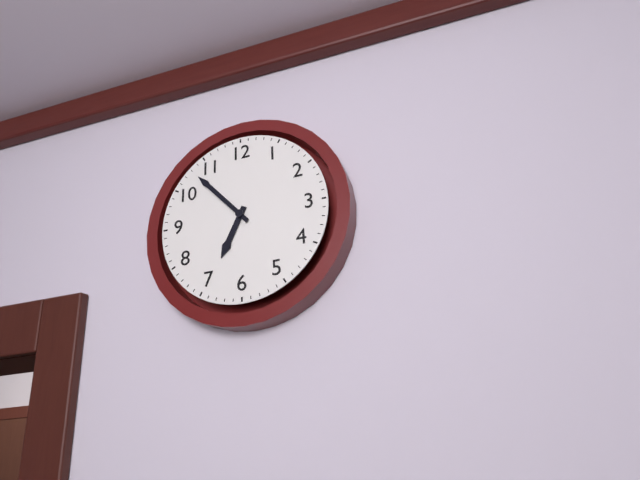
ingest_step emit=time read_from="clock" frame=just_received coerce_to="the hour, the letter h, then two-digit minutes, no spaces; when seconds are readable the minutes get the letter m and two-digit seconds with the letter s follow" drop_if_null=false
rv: 6h53
